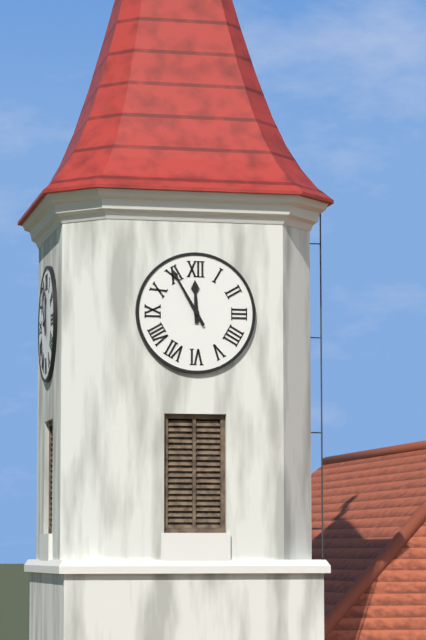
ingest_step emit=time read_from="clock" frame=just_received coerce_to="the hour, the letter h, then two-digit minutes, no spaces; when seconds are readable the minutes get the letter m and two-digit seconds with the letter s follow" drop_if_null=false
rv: 11h55
